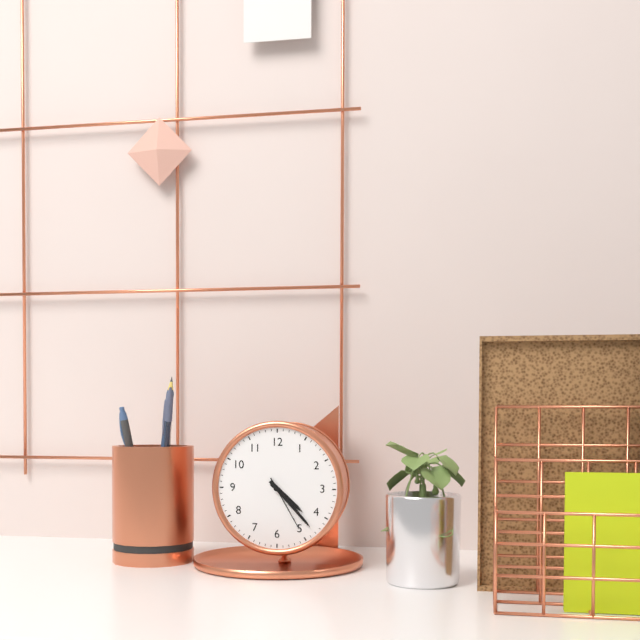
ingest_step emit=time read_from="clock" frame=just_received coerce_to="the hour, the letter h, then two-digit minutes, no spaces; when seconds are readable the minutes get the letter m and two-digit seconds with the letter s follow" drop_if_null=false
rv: 4h23m25s
